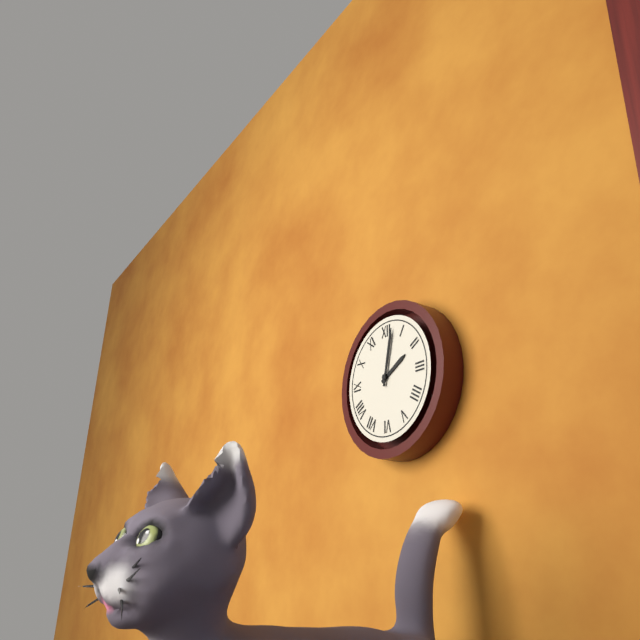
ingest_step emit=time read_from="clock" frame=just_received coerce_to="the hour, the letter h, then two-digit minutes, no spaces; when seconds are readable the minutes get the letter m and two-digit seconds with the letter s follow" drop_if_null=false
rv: 2h02
